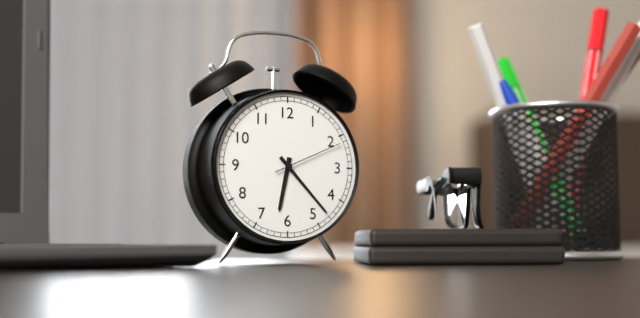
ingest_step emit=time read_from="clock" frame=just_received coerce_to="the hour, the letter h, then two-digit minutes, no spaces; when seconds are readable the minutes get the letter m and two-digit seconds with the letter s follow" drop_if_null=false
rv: 6h23m11s
